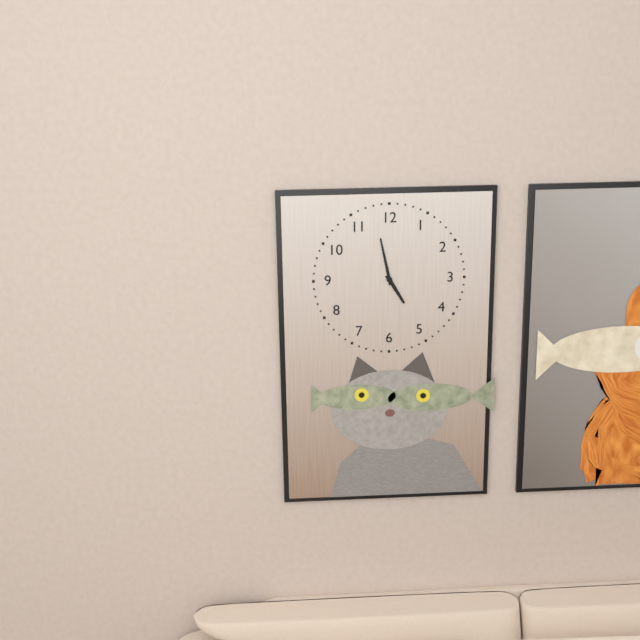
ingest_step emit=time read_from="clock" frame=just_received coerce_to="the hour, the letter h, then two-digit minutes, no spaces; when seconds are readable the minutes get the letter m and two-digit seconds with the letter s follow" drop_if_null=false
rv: 4h58
